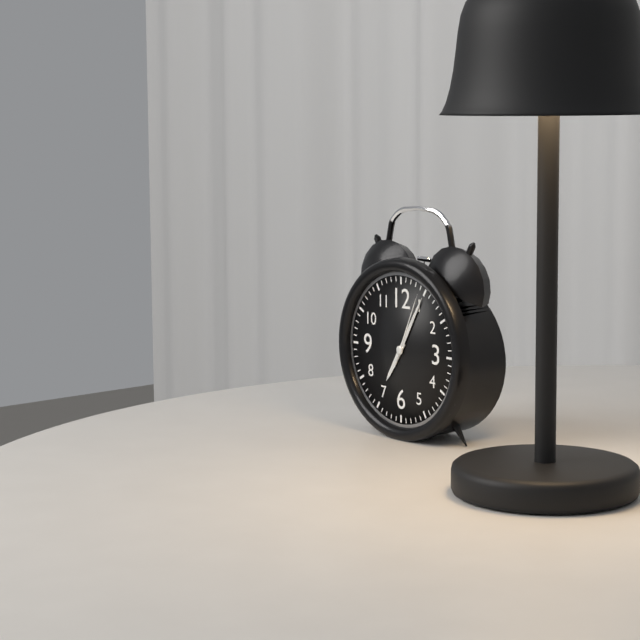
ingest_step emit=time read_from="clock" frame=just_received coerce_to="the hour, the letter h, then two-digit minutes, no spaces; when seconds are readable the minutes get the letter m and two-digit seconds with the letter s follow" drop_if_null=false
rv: 7h05m04s
